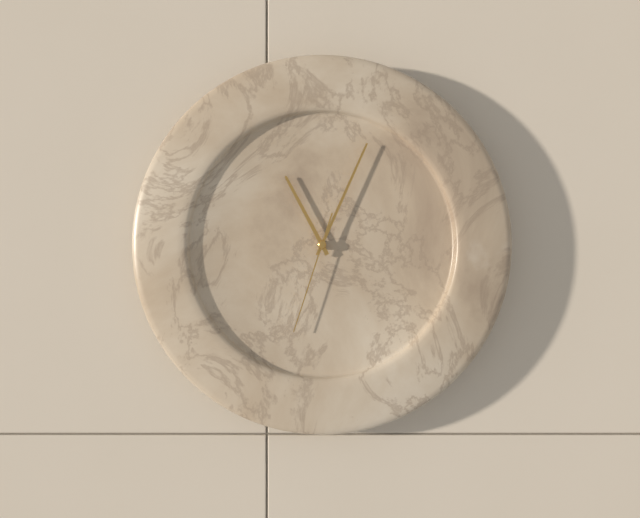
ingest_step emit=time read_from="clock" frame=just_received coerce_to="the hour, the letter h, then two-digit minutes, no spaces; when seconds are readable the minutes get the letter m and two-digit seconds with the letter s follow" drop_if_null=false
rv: 11h04m33s
